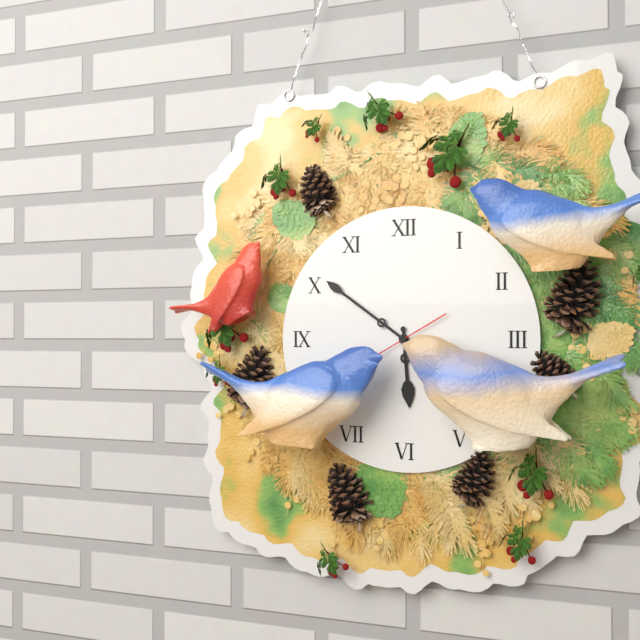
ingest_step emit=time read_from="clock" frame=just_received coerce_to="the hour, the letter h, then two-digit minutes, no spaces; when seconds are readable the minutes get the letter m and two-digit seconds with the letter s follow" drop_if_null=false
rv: 5h51
